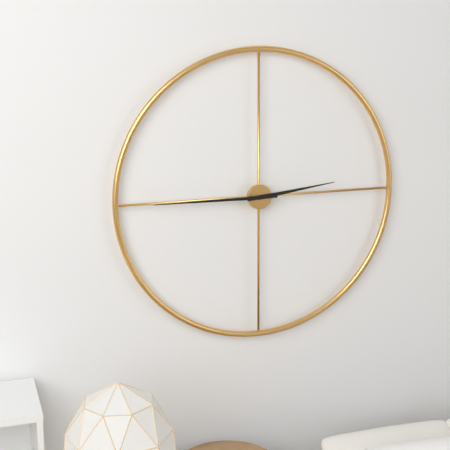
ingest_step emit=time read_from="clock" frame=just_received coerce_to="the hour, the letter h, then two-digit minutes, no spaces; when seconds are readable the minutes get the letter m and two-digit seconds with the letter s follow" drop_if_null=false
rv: 2h45
